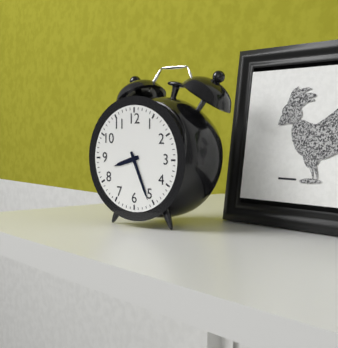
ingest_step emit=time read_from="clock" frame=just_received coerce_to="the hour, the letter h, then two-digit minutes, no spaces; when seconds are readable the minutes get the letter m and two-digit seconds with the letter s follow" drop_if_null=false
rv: 8h26
